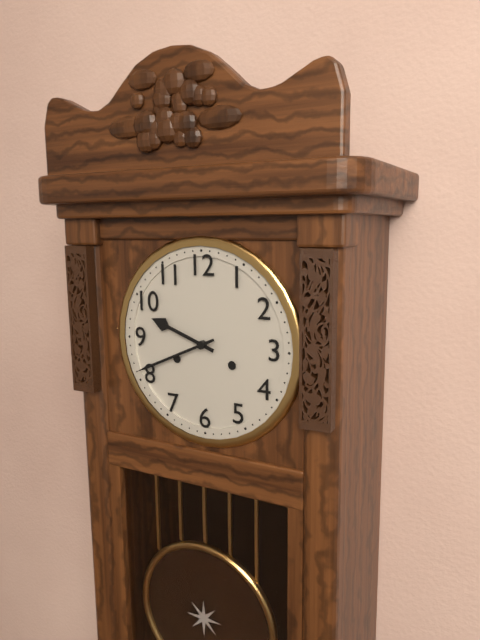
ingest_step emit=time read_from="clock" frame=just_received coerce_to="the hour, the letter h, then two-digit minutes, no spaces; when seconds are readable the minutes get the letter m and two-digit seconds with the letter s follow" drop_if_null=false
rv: 9h41
